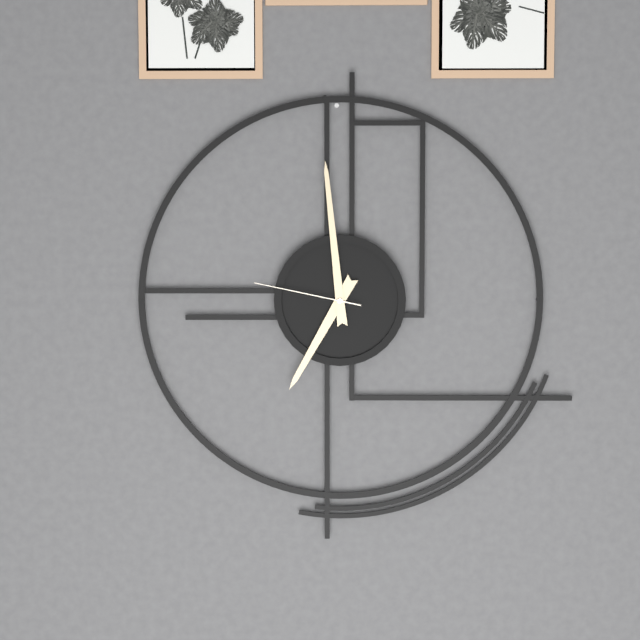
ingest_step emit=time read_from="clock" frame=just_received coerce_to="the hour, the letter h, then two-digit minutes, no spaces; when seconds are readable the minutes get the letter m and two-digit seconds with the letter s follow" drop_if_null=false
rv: 6h59m47s
